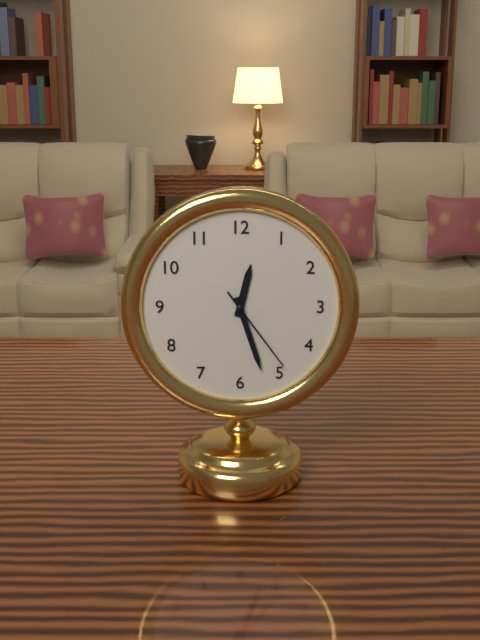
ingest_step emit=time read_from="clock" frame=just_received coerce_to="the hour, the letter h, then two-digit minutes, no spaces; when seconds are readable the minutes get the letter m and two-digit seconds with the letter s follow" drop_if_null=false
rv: 12h27m24s
